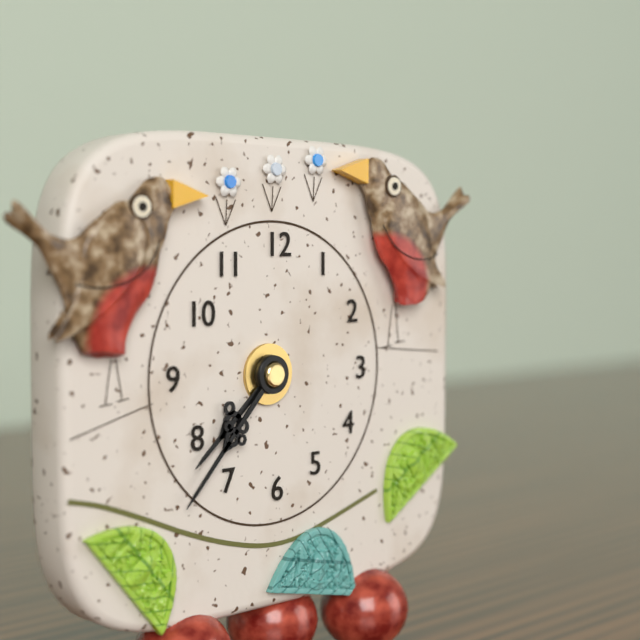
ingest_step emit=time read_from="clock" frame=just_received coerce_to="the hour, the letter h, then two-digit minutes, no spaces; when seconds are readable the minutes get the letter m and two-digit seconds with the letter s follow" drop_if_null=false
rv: 7h37
